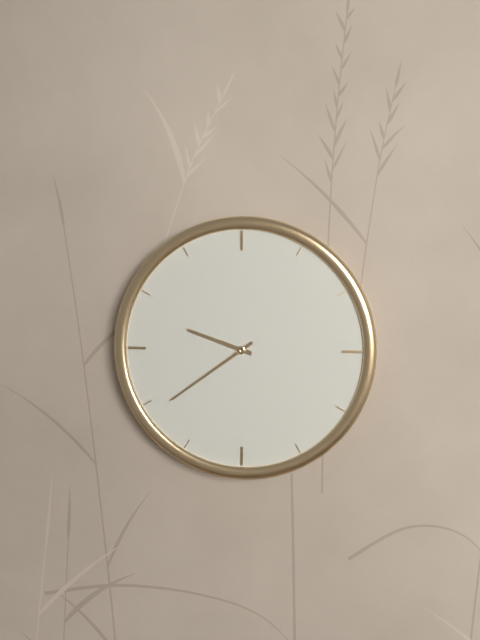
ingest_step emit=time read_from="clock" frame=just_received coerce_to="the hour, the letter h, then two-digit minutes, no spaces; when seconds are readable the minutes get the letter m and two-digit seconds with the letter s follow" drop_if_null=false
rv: 9h39
